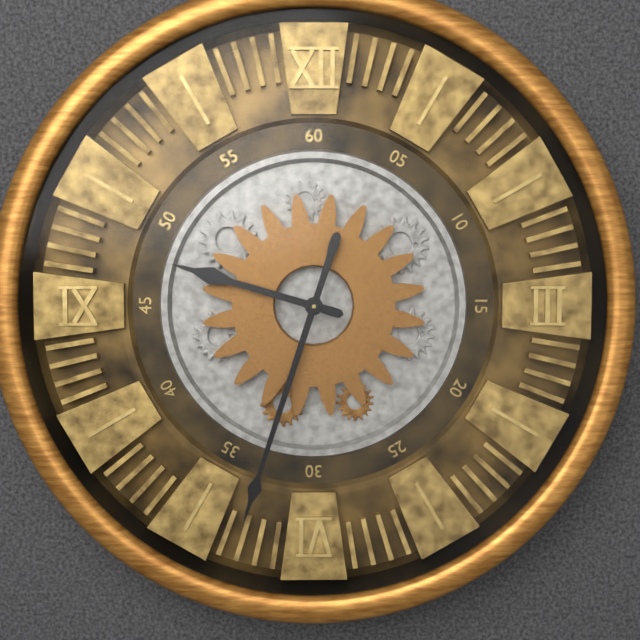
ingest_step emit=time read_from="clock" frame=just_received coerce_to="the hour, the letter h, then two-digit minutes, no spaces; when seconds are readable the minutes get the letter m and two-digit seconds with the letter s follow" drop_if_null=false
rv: 9h33
